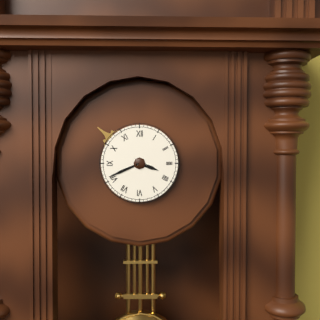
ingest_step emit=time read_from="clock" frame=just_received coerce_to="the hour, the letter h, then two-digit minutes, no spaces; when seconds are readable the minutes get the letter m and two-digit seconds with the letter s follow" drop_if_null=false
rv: 3h41
